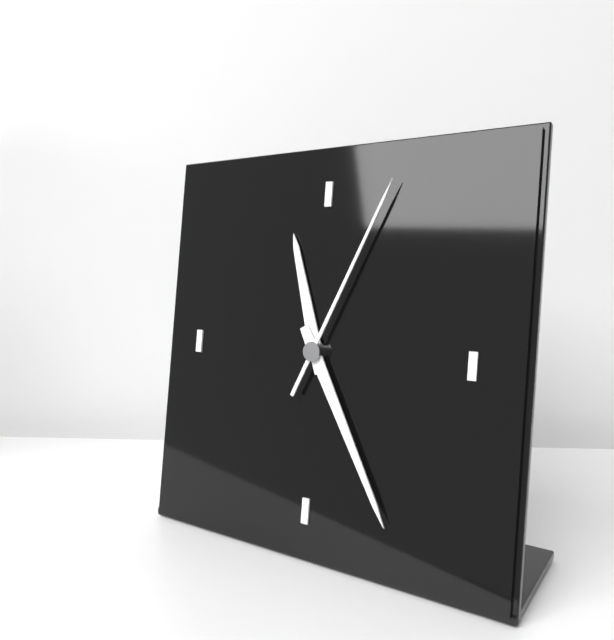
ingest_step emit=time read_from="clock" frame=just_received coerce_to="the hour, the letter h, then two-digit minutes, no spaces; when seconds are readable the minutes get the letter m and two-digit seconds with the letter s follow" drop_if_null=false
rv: 11h25m04s
